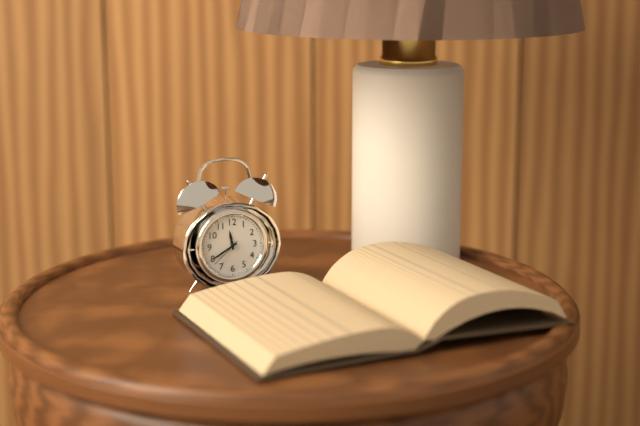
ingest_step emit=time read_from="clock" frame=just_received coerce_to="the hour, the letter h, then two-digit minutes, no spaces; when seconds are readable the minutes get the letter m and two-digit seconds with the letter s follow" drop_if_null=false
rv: 11h40
